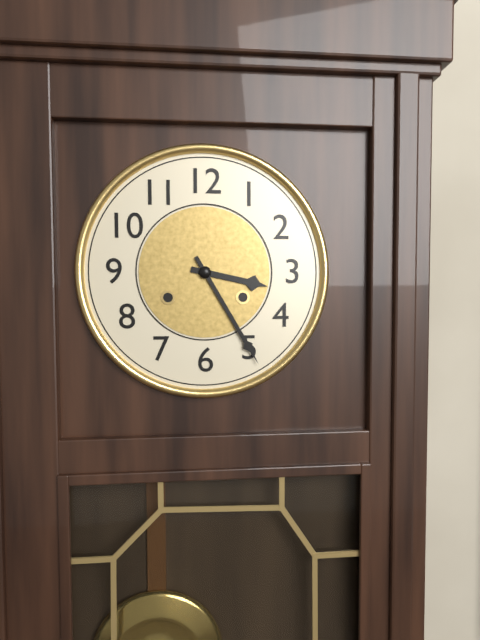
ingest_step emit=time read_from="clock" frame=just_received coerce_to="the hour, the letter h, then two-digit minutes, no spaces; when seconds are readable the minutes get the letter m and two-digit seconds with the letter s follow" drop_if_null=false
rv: 3h25
